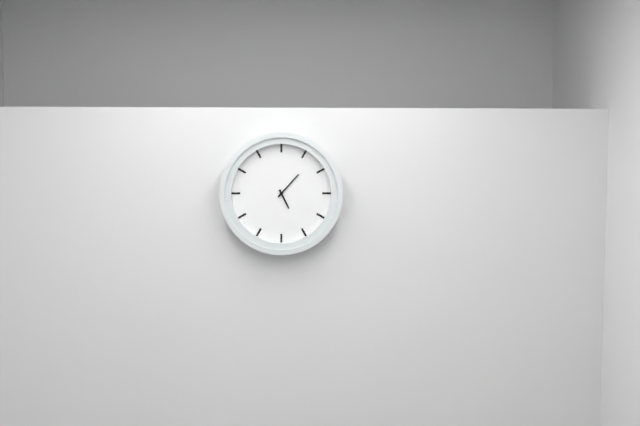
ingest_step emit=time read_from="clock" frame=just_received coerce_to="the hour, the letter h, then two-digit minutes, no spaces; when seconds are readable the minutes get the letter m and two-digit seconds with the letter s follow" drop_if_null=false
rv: 5h07
